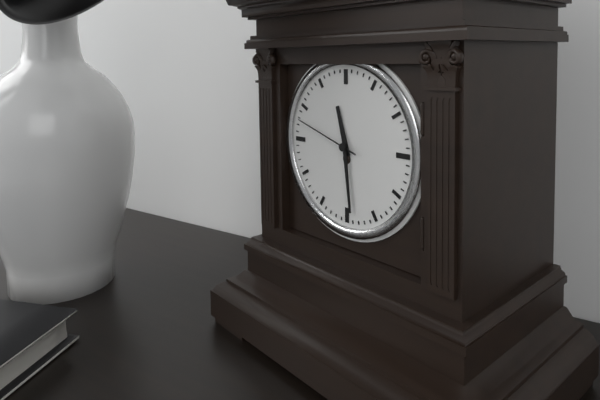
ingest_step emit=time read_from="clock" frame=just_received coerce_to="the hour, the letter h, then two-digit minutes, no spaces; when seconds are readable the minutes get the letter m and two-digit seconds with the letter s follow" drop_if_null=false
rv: 11h29m48s
